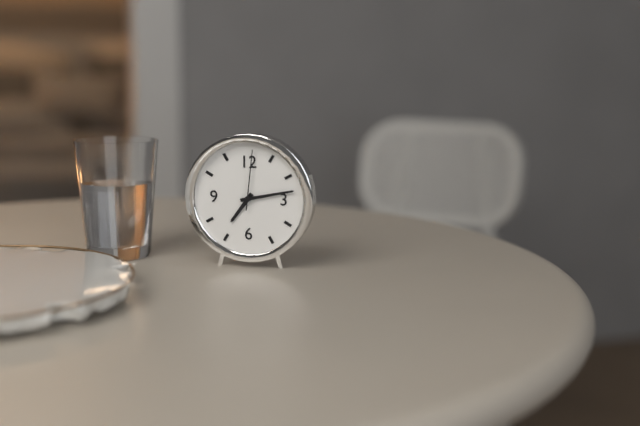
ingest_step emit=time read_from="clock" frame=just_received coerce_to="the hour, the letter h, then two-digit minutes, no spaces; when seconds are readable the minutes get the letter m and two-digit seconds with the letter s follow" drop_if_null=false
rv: 7h13m01s
